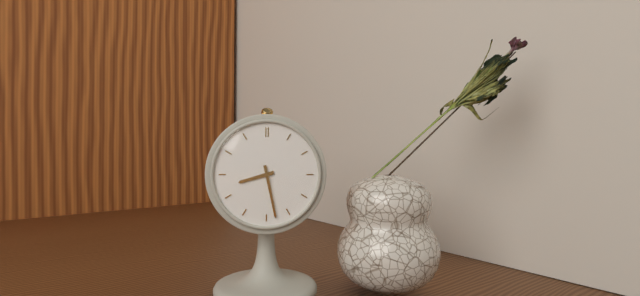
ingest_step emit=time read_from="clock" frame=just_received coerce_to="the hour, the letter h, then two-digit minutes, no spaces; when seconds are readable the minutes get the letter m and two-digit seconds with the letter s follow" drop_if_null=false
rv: 8h28
